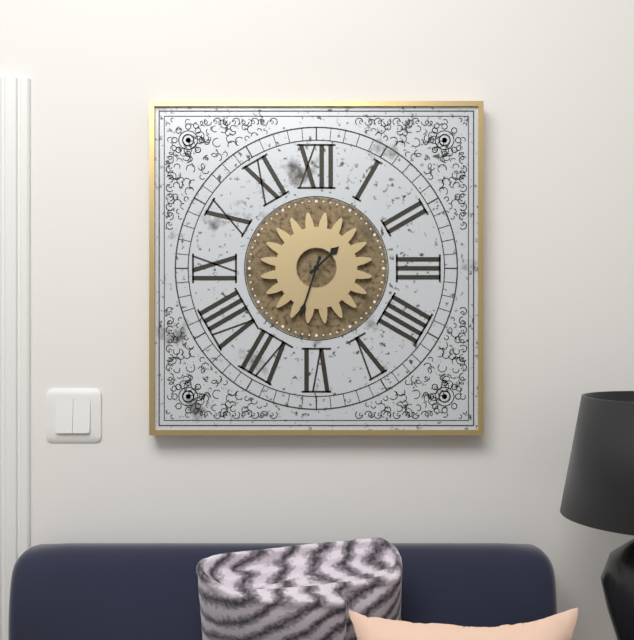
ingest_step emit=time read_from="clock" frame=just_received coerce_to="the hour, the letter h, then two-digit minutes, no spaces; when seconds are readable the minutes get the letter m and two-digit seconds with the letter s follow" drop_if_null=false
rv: 1h33
